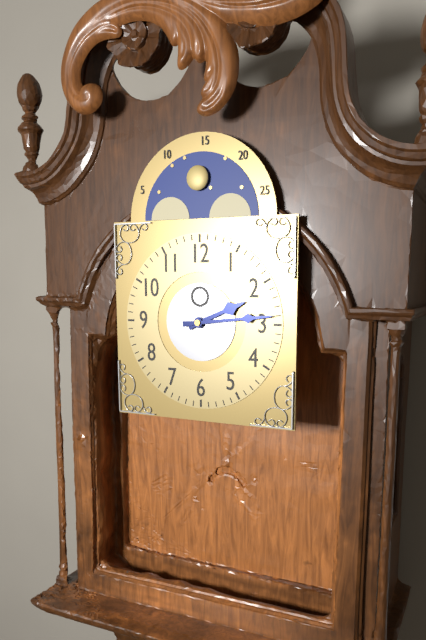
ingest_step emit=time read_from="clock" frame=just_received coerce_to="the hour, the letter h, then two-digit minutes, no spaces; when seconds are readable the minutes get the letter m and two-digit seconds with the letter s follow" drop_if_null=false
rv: 2h14
